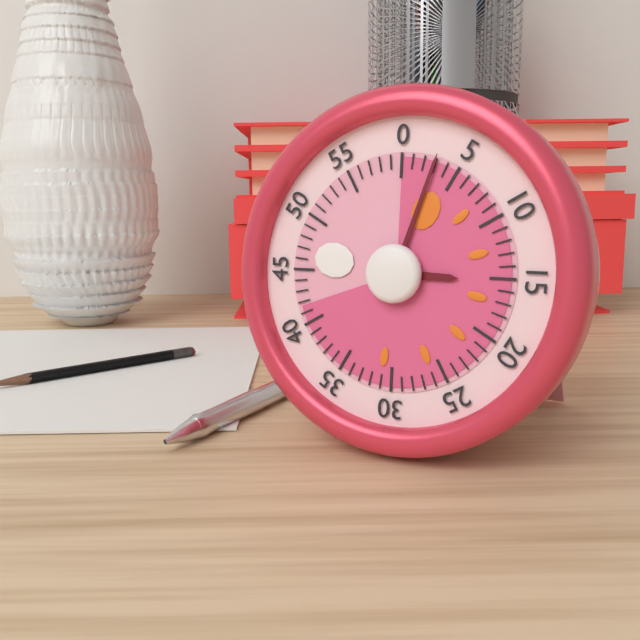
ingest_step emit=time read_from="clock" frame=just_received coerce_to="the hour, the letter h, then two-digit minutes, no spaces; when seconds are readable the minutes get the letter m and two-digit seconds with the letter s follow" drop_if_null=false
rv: 3h03
